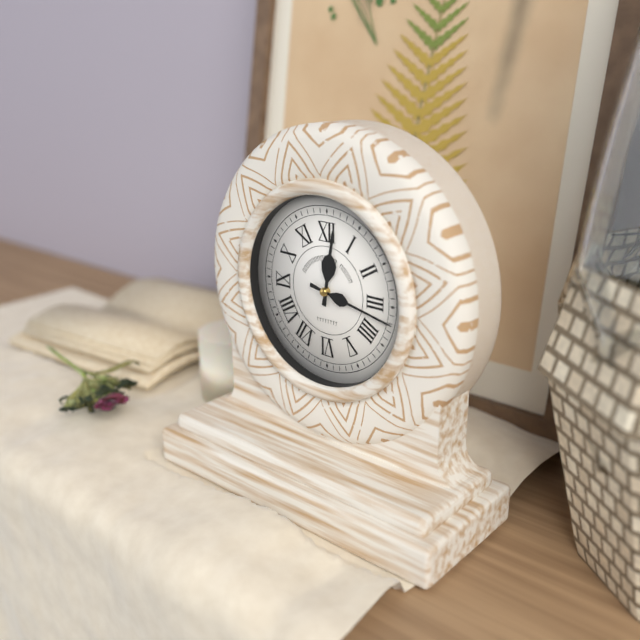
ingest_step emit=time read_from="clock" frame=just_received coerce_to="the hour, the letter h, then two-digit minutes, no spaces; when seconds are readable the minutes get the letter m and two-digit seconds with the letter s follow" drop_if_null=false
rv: 12h17
